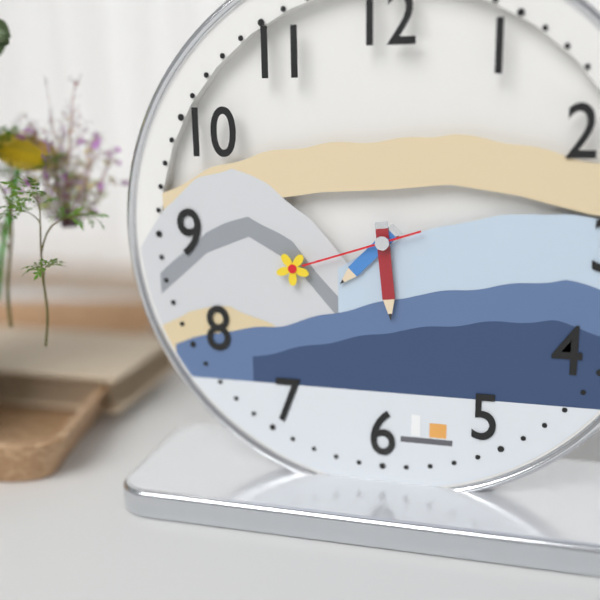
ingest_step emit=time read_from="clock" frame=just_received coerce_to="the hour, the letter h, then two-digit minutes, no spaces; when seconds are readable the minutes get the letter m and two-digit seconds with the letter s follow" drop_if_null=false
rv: 7h29m42s
